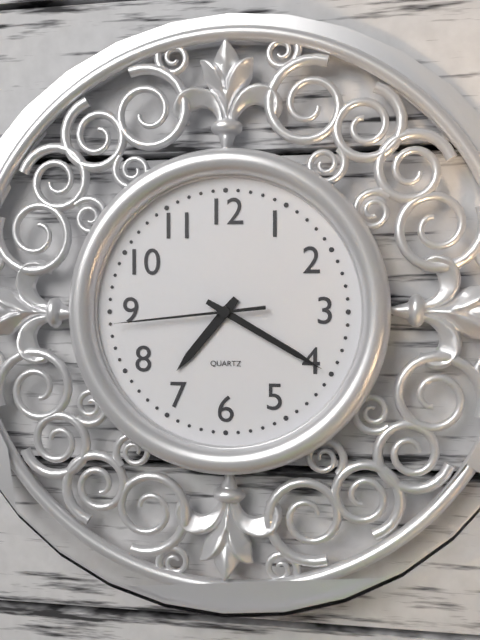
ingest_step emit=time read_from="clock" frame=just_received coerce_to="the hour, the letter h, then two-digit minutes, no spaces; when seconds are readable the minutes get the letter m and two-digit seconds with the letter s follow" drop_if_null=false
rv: 7h20m44s
